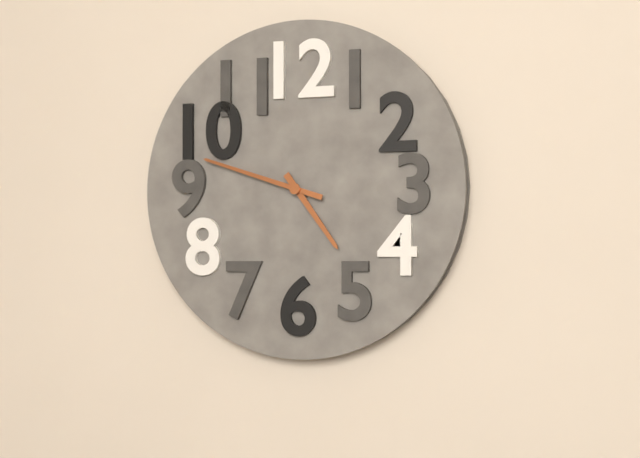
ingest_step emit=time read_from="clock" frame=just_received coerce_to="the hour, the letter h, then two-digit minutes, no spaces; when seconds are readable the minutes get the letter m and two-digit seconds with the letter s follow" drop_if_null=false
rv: 4h48
